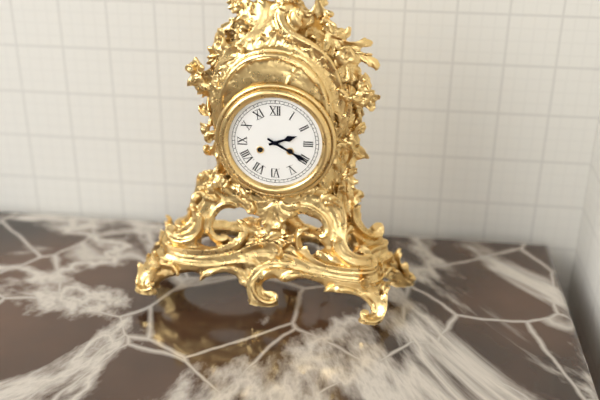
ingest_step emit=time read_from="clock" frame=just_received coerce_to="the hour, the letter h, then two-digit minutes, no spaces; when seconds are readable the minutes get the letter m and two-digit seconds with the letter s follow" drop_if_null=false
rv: 2h20
